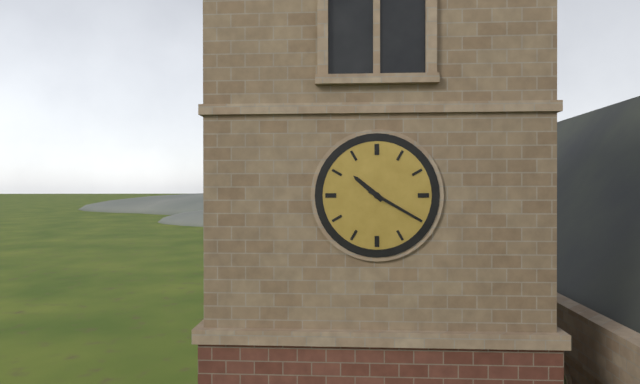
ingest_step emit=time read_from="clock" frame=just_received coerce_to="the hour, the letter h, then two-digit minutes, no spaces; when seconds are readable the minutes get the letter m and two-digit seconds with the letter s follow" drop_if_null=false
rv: 10h20
